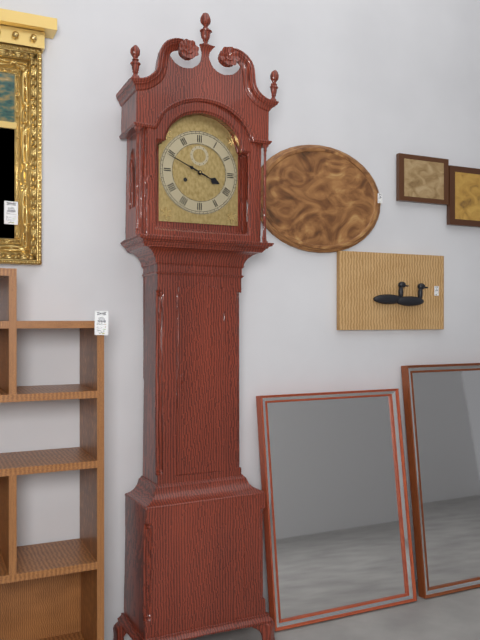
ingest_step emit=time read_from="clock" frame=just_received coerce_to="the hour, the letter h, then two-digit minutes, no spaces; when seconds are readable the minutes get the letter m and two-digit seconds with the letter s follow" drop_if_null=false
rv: 3h49
